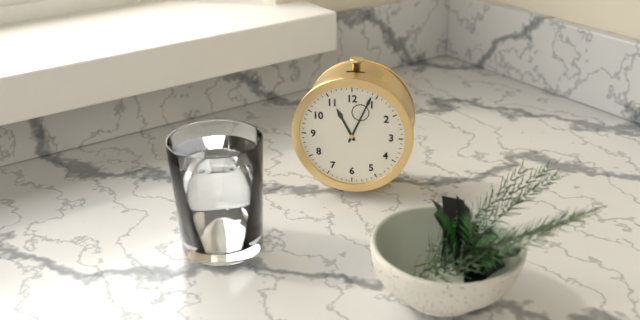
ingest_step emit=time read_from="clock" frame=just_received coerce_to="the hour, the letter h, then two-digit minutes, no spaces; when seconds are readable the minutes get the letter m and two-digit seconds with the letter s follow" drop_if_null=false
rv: 11h04
